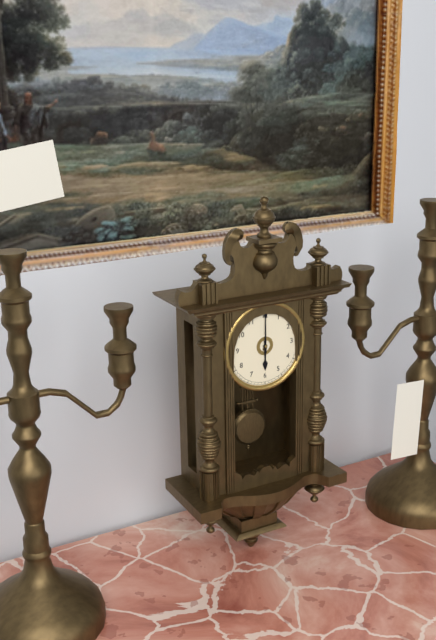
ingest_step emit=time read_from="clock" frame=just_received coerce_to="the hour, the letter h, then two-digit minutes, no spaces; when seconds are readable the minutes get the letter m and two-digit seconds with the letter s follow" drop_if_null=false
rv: 6h00
